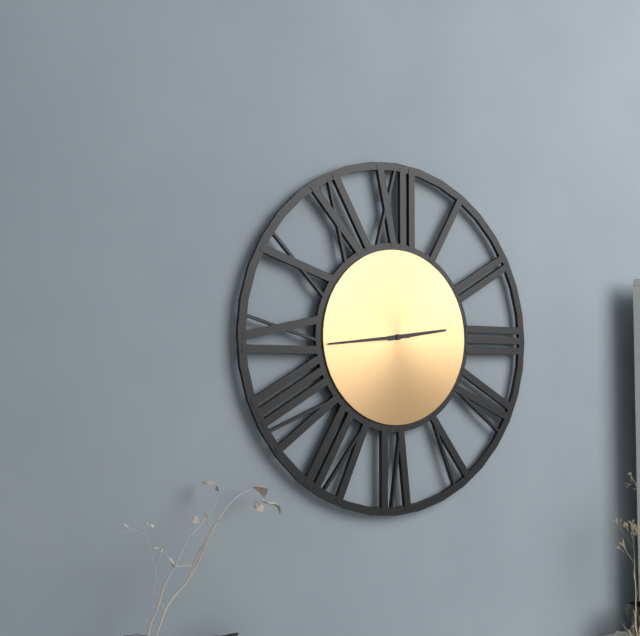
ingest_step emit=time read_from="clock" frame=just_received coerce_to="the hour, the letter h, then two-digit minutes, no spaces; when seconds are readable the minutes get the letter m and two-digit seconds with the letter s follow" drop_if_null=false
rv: 2h44
